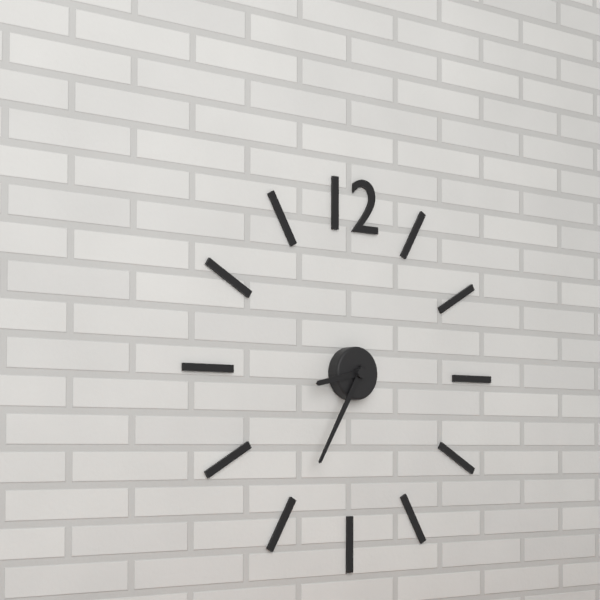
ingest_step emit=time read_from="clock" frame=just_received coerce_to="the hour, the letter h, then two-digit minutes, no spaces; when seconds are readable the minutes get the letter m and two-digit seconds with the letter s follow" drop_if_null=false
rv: 8h35
